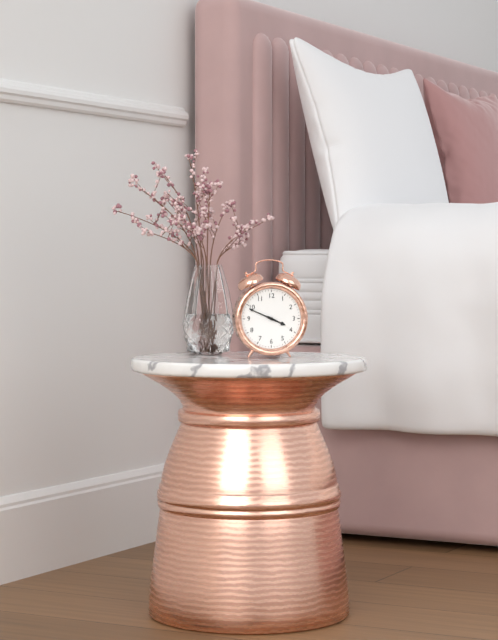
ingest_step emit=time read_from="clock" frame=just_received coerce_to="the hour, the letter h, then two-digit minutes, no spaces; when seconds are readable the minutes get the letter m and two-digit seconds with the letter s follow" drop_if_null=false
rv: 3h49
